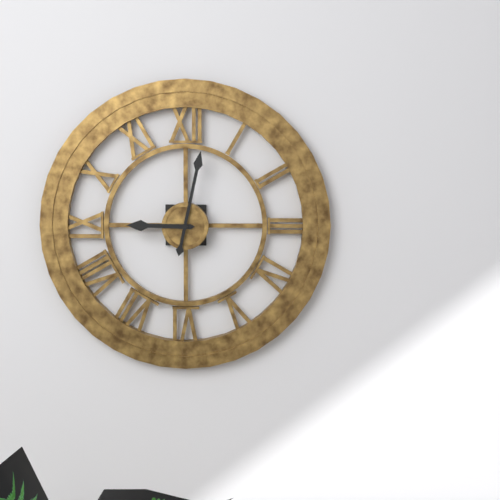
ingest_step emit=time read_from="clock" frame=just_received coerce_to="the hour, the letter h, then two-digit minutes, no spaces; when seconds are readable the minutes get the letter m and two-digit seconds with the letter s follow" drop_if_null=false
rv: 9h02
